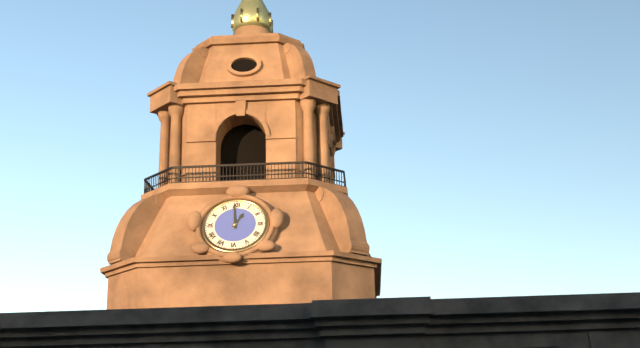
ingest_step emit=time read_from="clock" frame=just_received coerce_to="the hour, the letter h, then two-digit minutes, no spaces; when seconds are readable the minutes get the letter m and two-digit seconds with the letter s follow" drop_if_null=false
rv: 12h59
